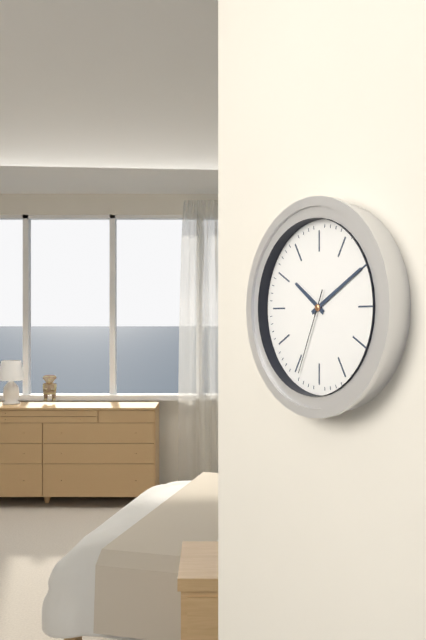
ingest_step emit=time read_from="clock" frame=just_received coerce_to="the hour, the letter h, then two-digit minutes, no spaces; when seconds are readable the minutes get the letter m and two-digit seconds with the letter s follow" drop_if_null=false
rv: 10h10m34s
